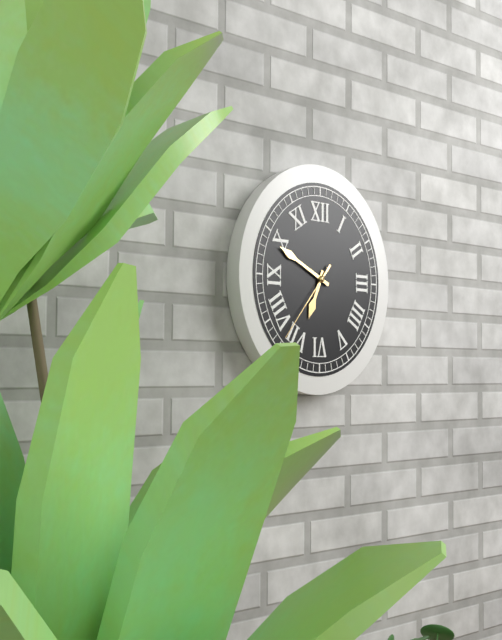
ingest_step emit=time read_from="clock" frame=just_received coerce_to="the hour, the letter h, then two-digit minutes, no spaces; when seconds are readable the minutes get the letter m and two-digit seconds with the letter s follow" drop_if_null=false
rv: 6h49m37s
